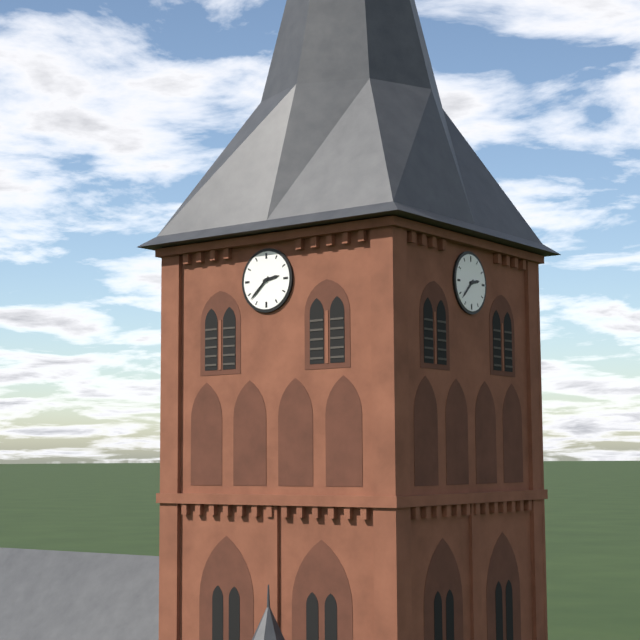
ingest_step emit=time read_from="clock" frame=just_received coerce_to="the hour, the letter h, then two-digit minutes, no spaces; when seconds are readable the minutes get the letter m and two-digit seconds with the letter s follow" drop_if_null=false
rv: 2h38
